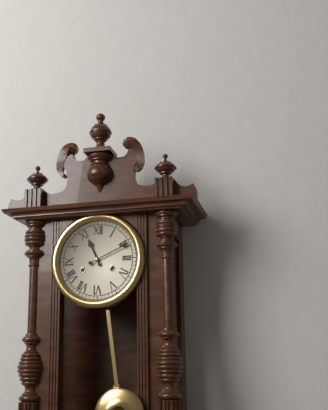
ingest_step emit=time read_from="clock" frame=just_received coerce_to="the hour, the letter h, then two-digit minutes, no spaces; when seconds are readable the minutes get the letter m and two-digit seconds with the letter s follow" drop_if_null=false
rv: 11h11
